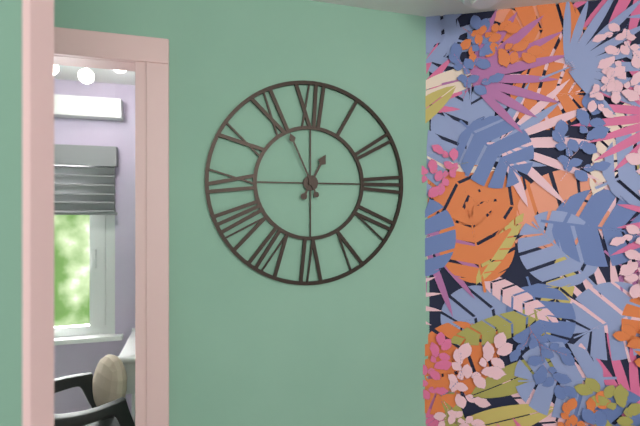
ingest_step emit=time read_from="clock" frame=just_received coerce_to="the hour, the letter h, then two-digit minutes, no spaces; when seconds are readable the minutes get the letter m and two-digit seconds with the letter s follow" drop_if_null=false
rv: 12h56
